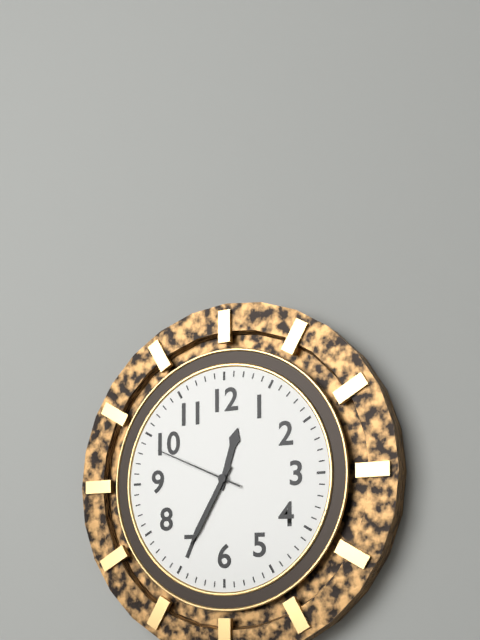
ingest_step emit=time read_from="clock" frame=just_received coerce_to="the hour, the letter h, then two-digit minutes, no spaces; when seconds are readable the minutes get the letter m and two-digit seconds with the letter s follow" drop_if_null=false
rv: 12h35m49s
